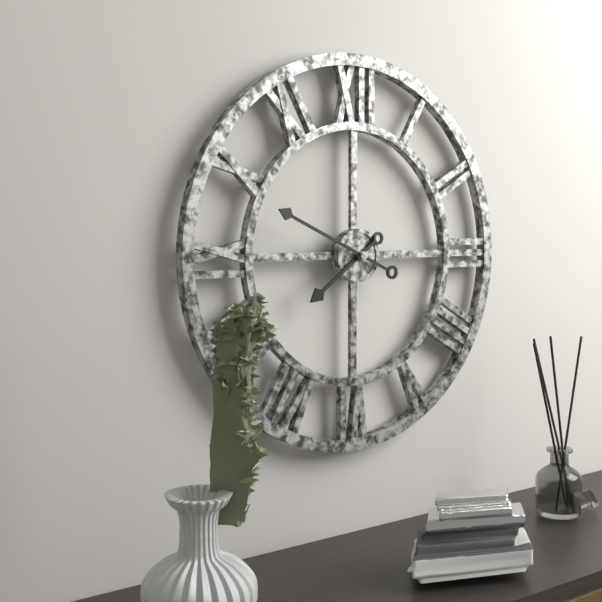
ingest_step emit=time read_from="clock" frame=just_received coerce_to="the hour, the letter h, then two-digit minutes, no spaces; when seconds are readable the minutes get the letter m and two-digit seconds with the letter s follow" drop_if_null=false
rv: 7h49
